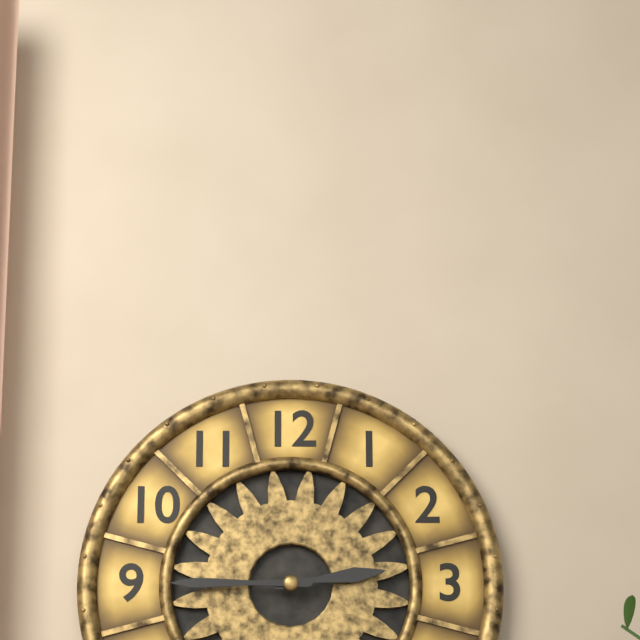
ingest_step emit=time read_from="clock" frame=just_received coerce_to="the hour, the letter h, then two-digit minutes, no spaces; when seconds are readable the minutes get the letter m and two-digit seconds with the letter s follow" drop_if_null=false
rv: 2h45
